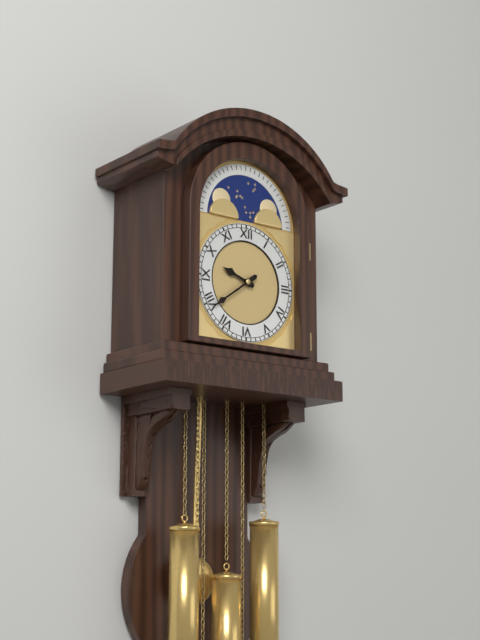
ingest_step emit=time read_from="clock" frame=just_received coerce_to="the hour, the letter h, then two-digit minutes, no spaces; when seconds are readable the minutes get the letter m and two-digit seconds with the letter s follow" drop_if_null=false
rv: 9h39
